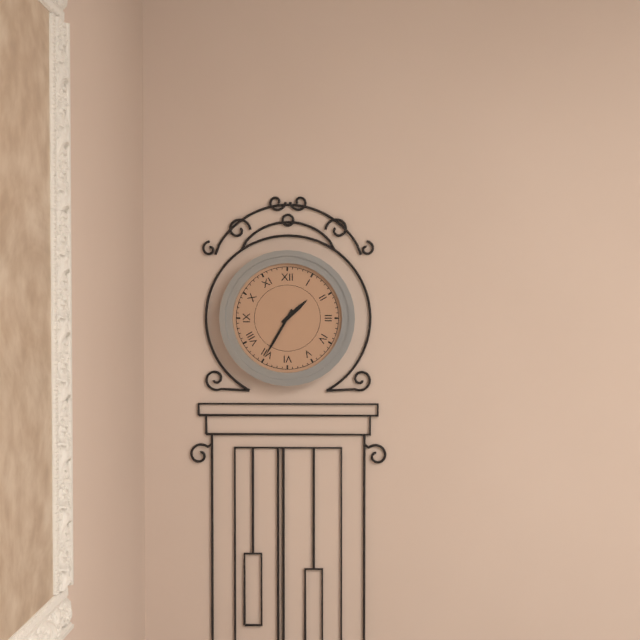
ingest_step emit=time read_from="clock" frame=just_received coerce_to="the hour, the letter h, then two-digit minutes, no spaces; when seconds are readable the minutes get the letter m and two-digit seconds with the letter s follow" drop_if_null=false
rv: 1h35
